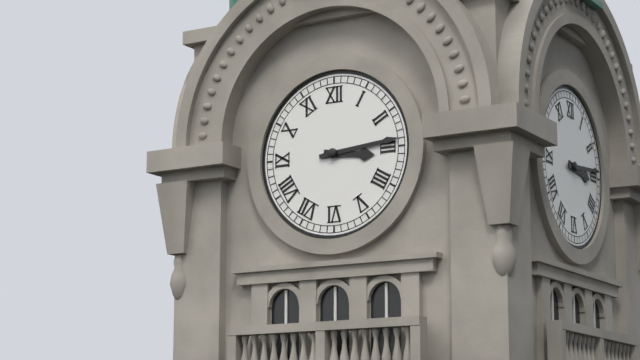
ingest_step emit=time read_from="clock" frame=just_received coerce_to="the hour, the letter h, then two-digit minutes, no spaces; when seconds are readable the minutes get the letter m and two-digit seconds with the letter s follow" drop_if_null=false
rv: 3h14
